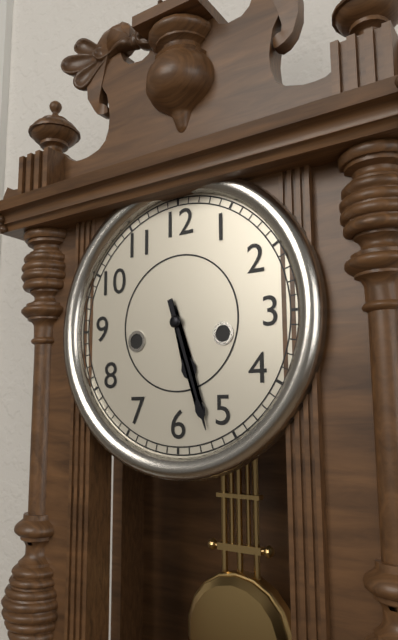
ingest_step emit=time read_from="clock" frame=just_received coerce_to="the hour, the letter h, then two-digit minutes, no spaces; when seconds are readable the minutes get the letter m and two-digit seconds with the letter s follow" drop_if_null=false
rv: 5h27
